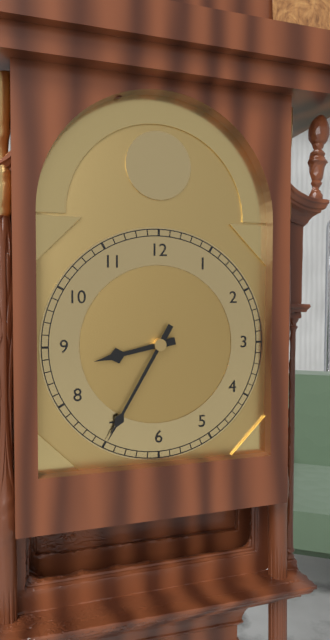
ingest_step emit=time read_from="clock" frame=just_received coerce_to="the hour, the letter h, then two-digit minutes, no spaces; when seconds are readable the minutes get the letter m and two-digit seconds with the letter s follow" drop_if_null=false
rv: 8h35
